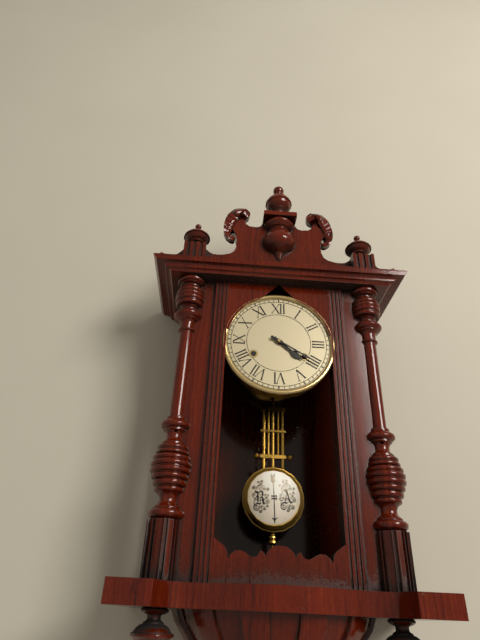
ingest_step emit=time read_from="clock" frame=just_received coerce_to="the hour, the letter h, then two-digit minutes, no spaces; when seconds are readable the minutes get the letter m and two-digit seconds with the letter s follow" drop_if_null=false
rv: 4h20
